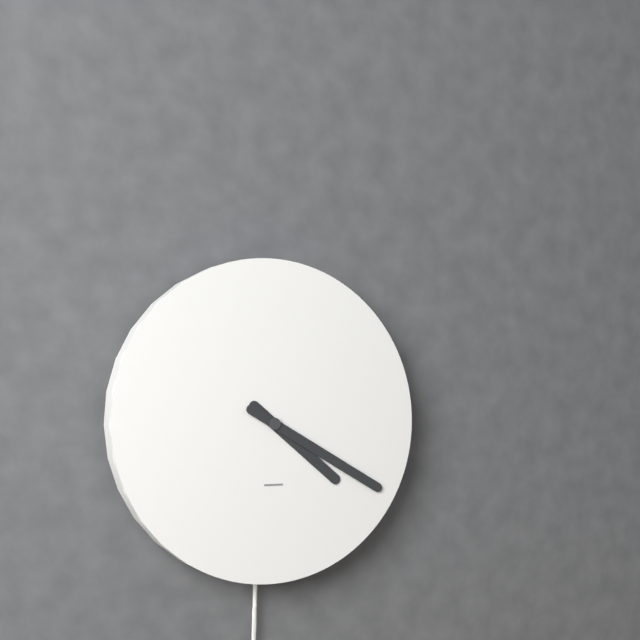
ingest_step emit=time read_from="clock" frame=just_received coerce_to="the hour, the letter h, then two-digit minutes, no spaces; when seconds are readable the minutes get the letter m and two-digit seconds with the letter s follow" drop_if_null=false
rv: 4h20
